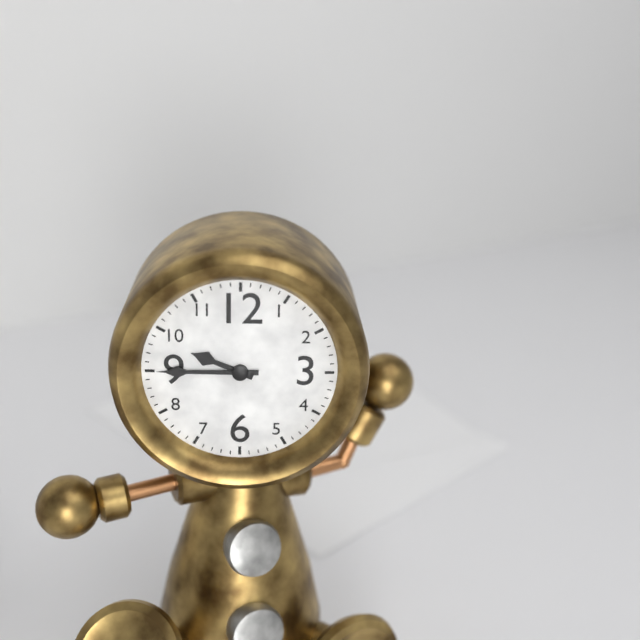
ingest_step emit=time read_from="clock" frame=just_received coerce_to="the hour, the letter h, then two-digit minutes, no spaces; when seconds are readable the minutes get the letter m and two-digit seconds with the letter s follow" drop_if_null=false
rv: 9h45
